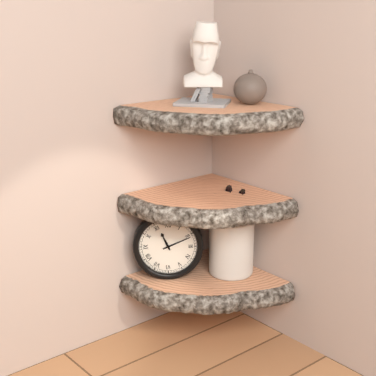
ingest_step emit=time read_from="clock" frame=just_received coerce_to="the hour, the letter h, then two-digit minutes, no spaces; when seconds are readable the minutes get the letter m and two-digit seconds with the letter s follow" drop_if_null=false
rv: 11h11
